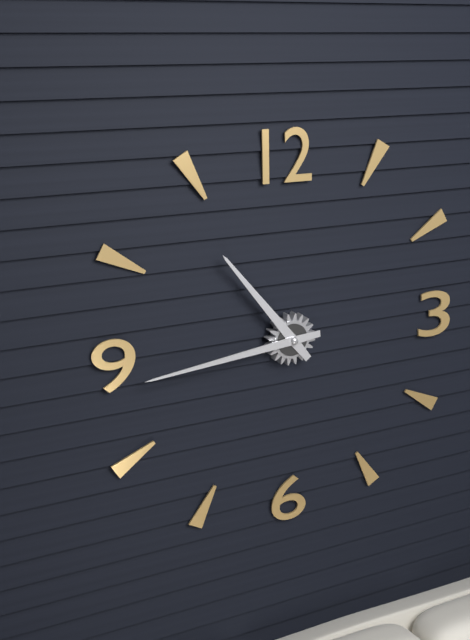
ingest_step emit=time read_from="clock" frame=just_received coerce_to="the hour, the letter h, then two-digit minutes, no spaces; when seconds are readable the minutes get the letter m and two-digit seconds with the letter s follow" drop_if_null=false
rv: 10h44
